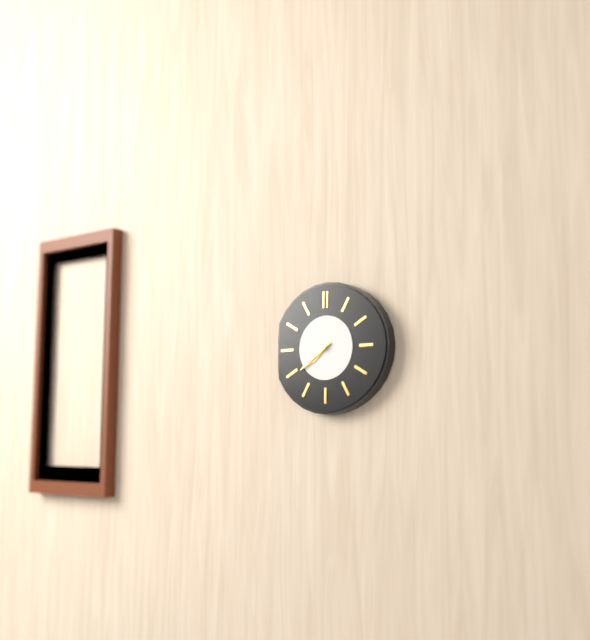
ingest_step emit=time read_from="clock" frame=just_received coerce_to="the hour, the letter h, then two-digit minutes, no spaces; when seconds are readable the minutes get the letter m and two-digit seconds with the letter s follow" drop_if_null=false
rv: 7h39
